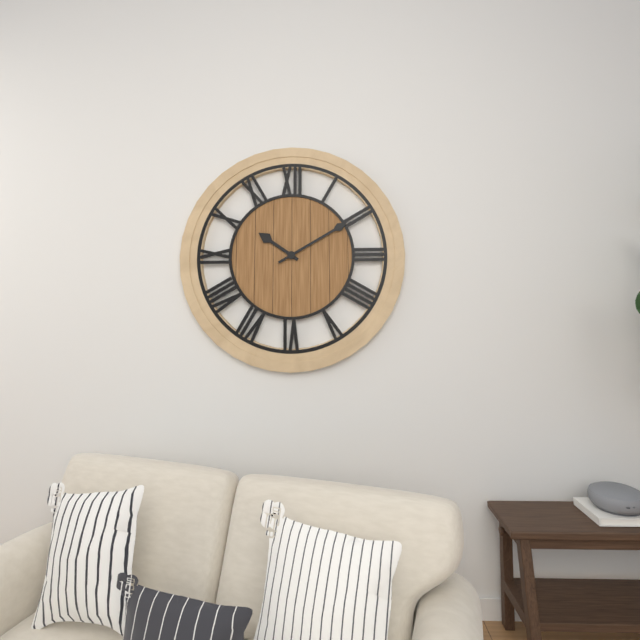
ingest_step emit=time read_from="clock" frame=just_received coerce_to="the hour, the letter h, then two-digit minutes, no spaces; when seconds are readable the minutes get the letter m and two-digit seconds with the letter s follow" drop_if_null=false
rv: 10h10
